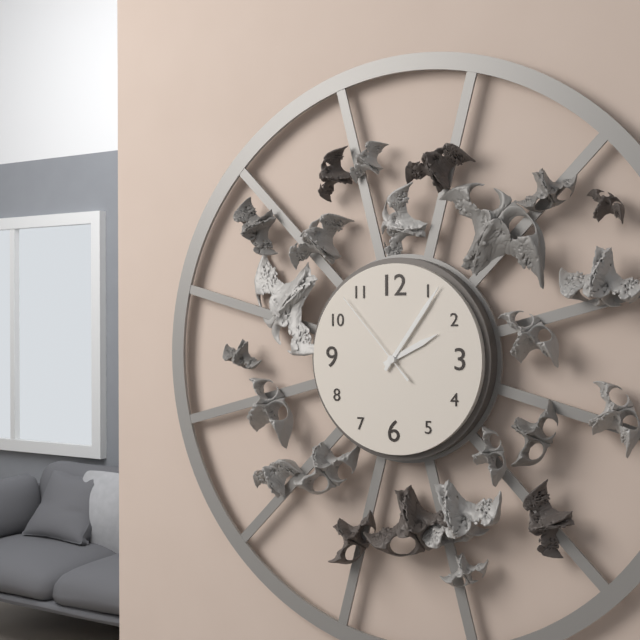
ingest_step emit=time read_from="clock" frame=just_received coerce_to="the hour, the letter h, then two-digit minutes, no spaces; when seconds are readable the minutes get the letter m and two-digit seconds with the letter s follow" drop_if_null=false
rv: 2h06m53s
